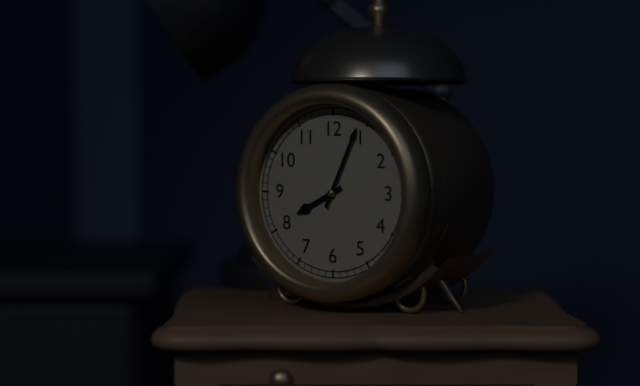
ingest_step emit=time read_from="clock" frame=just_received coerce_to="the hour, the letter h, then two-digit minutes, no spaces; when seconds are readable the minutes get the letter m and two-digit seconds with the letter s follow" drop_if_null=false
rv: 8h04
